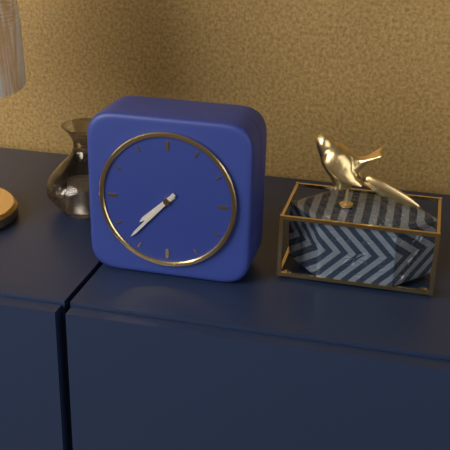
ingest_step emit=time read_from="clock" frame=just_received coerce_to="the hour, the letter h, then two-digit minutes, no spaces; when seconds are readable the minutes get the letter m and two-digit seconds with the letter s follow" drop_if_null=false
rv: 7h37
